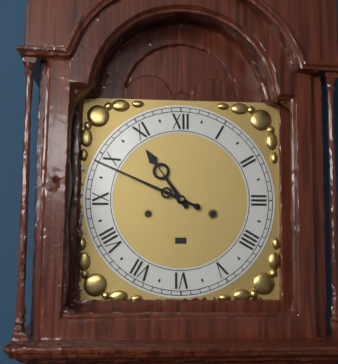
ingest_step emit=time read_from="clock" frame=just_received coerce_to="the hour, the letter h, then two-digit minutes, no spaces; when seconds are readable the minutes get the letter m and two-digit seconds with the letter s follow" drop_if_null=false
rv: 10h49
